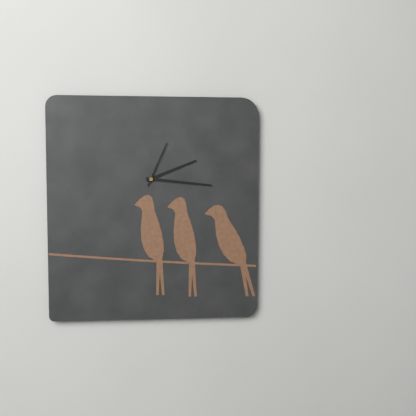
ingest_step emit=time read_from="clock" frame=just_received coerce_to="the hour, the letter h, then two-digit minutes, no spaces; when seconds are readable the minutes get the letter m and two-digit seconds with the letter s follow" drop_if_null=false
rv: 2h16
